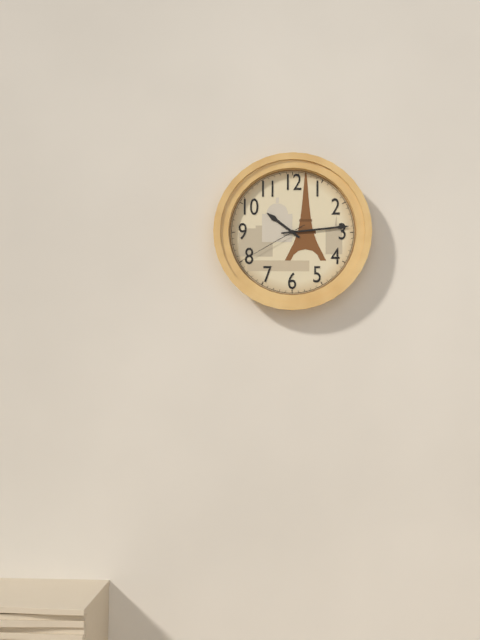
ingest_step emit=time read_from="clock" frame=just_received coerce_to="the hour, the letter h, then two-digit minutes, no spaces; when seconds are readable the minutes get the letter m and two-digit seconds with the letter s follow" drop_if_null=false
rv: 10h14m40s
